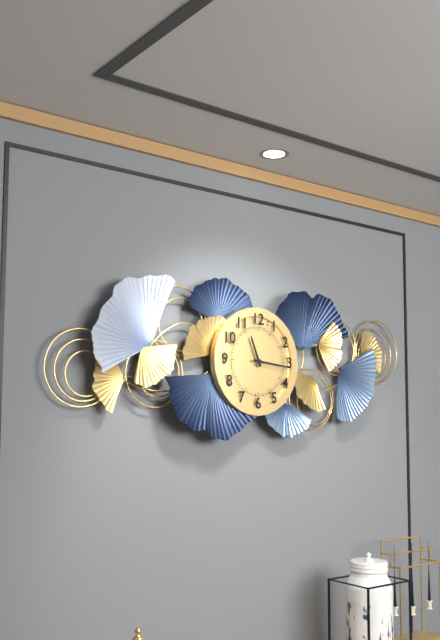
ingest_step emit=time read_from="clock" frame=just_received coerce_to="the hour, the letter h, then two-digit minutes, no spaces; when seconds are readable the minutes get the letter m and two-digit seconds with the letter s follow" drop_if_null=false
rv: 11h16
